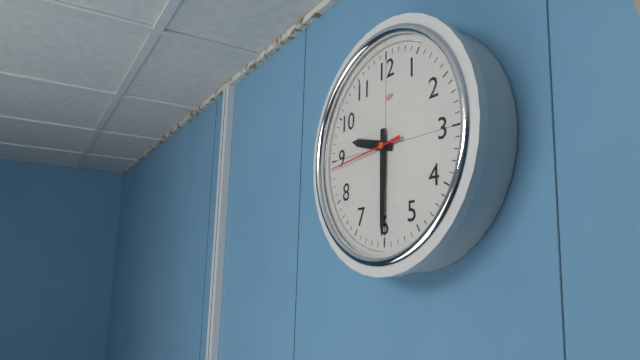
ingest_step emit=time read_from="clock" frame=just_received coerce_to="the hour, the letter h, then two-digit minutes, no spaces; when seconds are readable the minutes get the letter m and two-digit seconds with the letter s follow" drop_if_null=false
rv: 9h30m44s
